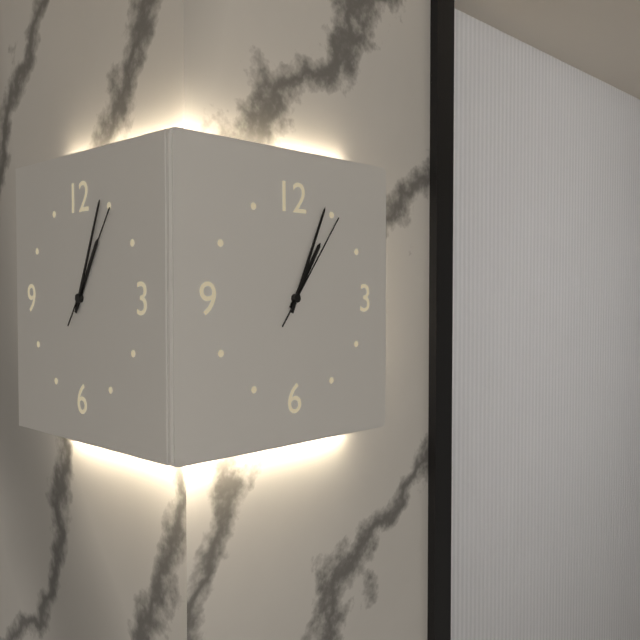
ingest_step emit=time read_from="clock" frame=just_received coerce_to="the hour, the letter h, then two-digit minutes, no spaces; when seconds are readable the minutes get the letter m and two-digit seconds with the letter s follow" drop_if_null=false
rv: 1h04m06s
